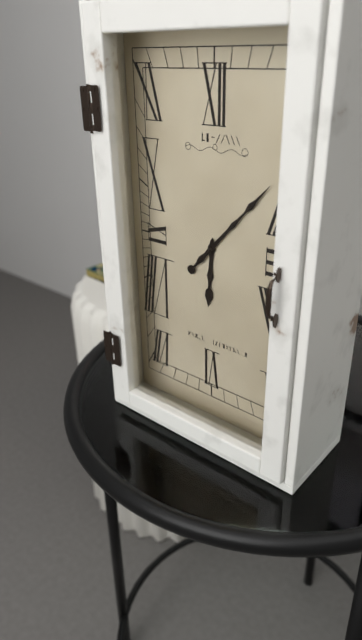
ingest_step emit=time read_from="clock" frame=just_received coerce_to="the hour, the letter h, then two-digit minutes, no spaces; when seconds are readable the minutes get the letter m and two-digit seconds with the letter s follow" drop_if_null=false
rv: 6h07
